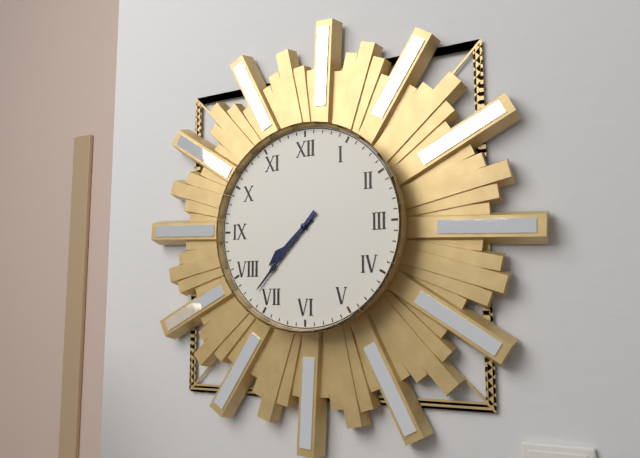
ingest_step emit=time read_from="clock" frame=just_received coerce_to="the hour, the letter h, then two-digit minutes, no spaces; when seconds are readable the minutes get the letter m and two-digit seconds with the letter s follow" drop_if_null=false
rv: 7h37
